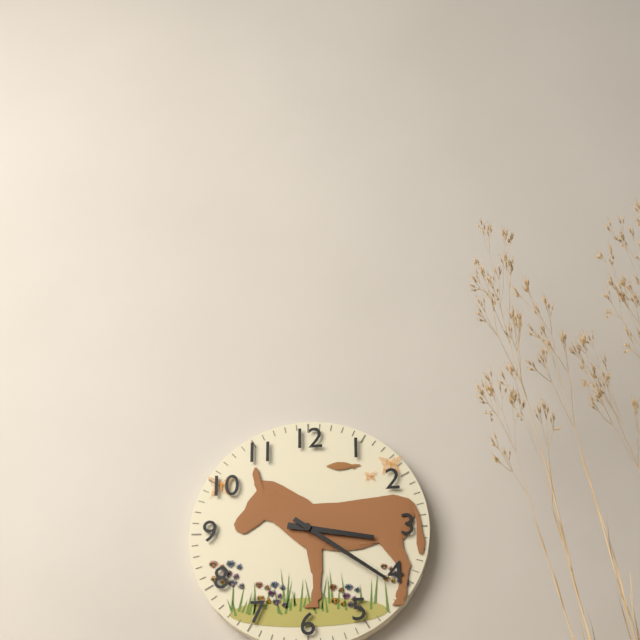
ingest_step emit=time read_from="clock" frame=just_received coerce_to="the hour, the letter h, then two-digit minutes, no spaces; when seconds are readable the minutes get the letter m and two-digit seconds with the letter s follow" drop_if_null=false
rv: 3h21
